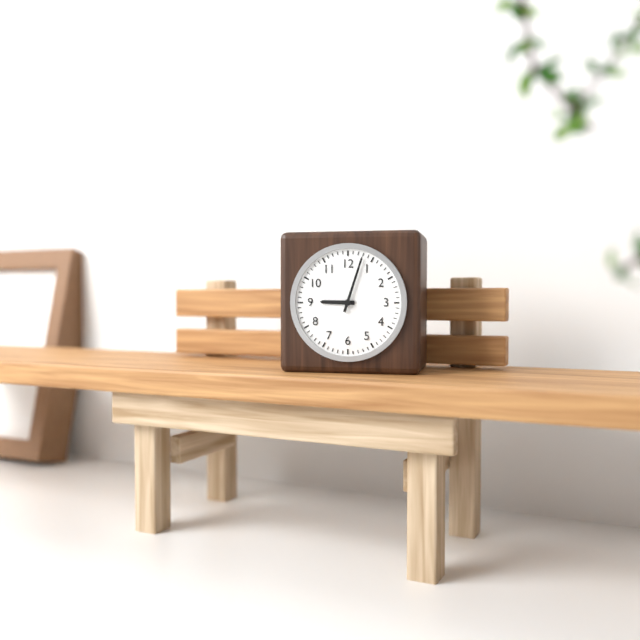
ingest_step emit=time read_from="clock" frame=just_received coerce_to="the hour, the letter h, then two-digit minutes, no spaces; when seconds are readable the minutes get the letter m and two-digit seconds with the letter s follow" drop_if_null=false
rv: 9h03
